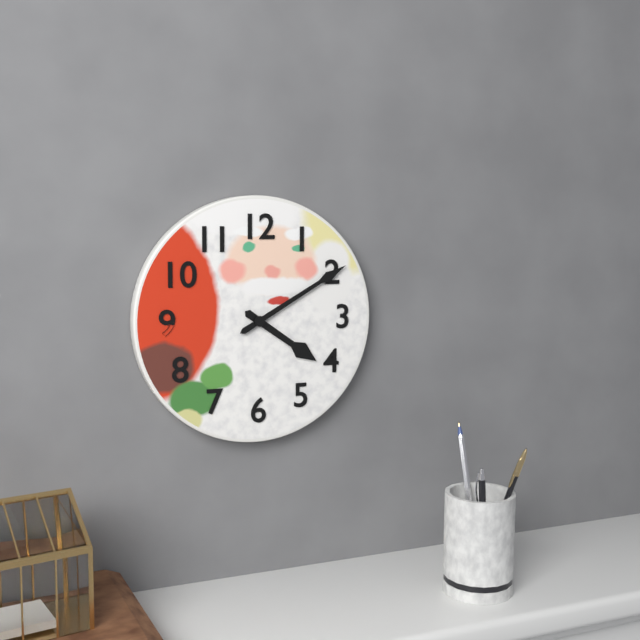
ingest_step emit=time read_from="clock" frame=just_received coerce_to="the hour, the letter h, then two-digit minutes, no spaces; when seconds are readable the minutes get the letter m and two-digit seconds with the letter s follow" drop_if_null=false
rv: 4h10
